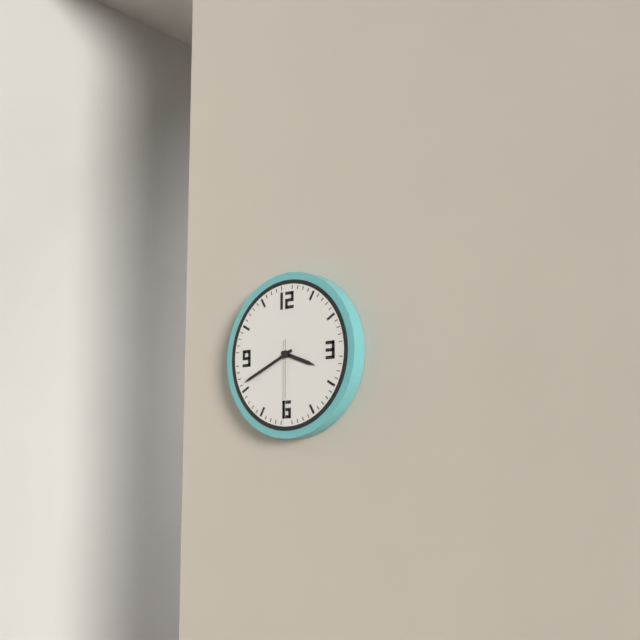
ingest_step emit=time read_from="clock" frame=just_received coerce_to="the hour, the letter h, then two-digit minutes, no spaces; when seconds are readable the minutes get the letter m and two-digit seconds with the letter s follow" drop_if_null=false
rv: 3h41m30s
